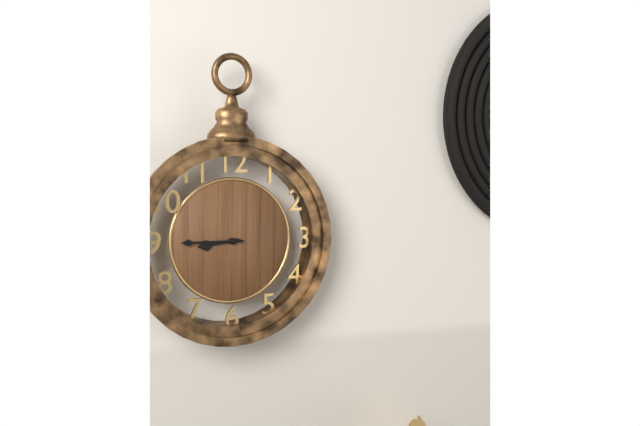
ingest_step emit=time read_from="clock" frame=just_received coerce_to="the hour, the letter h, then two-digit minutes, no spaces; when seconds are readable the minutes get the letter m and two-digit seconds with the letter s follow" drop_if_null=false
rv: 8h45
